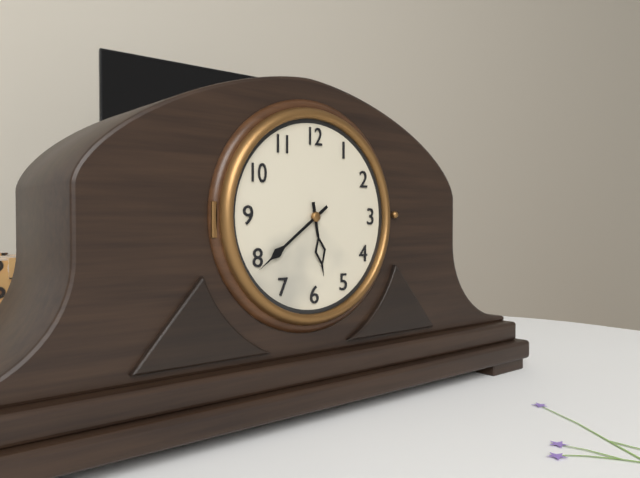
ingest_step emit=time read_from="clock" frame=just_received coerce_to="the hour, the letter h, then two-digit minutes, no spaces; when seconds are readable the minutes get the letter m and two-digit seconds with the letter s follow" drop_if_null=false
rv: 5h39
